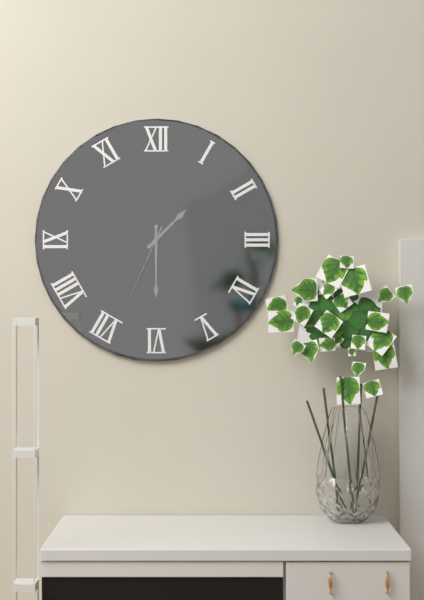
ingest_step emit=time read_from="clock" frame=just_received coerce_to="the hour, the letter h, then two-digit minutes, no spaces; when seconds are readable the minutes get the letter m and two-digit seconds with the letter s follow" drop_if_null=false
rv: 1h30m34s
